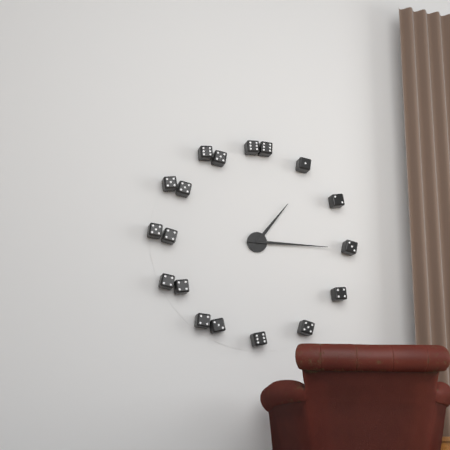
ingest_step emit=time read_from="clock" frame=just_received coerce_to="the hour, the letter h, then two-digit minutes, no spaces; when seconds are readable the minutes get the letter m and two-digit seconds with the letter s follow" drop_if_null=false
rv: 1h15
